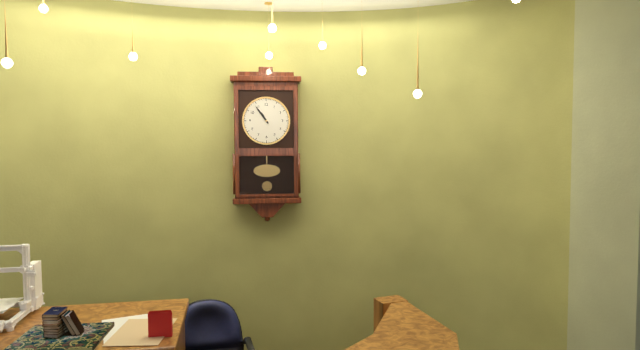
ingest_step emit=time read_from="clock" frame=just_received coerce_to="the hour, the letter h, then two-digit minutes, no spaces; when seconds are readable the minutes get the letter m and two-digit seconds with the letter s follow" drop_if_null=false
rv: 10h54
